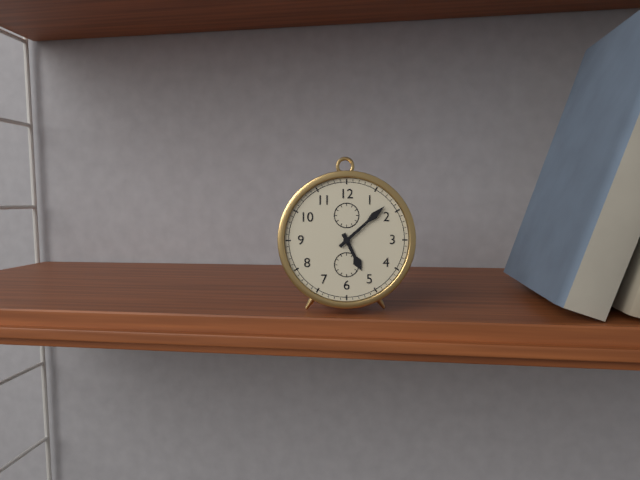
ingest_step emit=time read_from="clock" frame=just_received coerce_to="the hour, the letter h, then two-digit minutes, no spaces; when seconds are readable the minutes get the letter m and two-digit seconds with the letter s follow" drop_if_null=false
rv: 5h08
